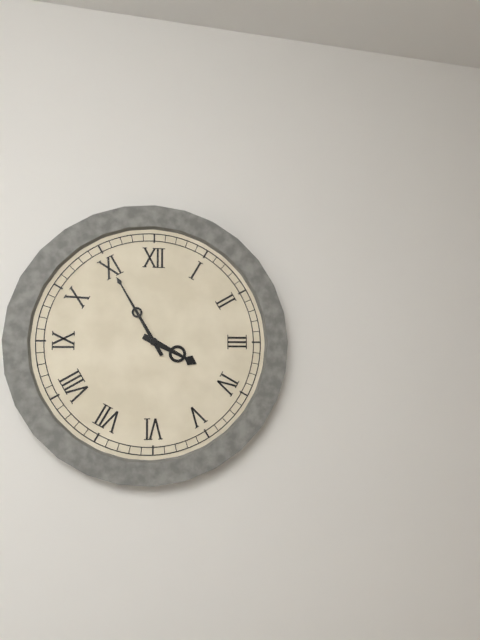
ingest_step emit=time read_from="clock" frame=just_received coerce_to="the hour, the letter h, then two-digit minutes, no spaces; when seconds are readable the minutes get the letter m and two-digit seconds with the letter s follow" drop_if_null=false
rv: 3h55
